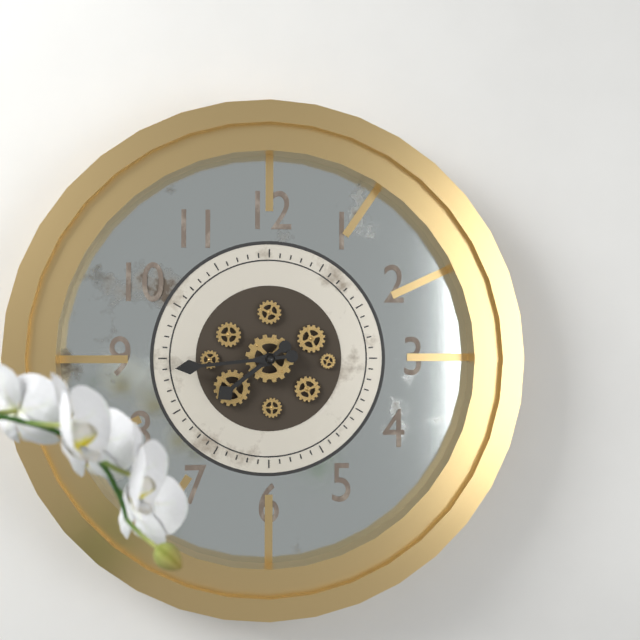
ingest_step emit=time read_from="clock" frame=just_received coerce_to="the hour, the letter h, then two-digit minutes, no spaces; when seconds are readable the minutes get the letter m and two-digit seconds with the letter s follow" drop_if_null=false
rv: 7h44
